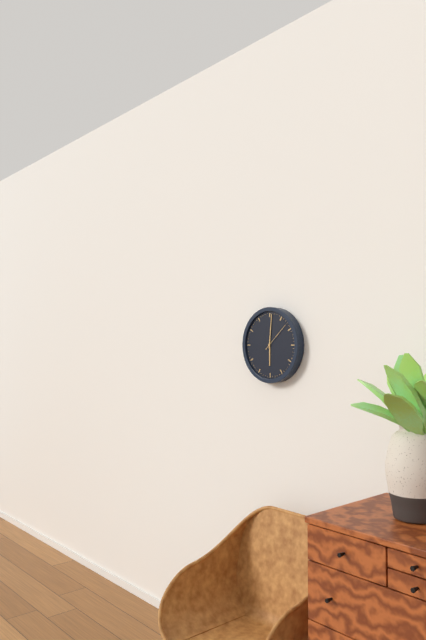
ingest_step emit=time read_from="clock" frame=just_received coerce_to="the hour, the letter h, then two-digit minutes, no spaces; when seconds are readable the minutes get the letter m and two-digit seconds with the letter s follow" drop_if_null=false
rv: 6h01
